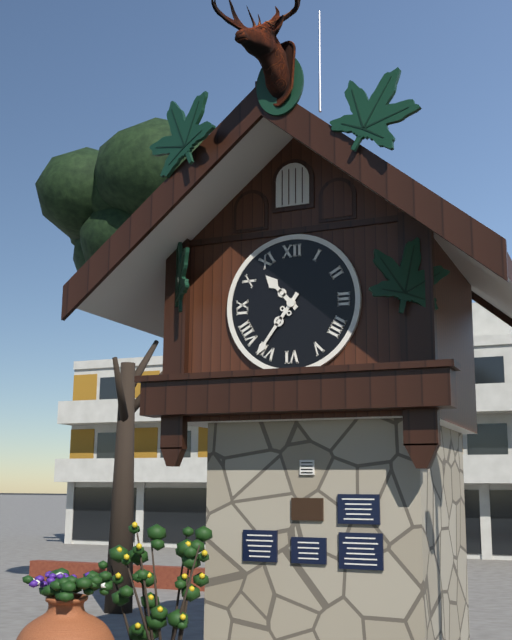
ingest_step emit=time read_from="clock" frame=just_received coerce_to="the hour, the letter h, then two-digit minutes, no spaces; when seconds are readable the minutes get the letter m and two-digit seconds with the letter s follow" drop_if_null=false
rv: 10h36
